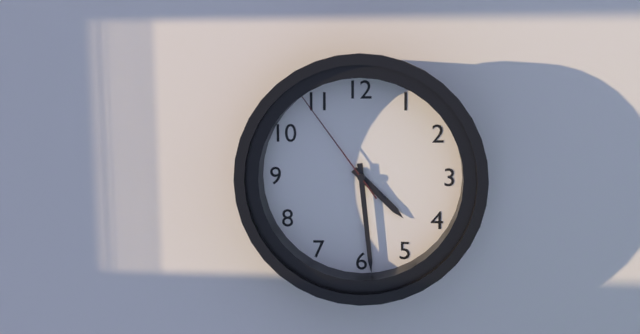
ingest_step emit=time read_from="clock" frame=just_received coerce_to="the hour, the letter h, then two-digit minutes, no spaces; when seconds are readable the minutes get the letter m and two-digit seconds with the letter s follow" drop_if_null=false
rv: 4h29m54s
